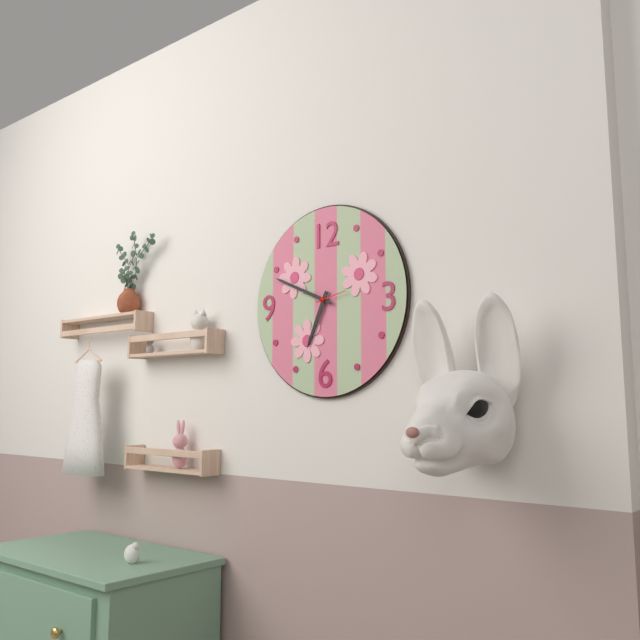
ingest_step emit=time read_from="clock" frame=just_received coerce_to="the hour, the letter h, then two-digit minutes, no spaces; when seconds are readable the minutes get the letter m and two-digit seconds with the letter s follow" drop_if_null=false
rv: 6h49
